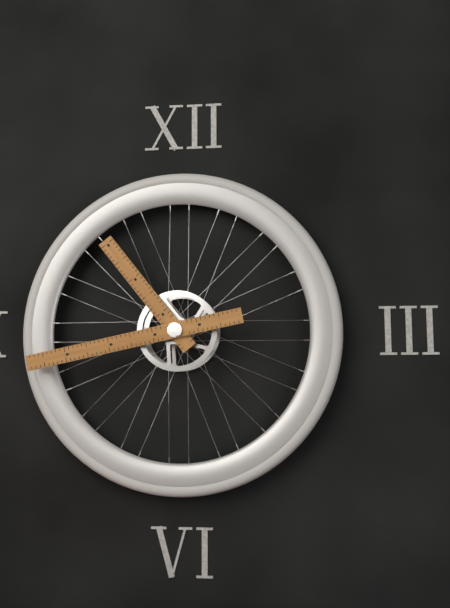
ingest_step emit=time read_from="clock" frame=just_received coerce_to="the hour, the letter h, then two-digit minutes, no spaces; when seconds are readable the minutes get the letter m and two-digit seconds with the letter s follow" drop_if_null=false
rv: 10h43
